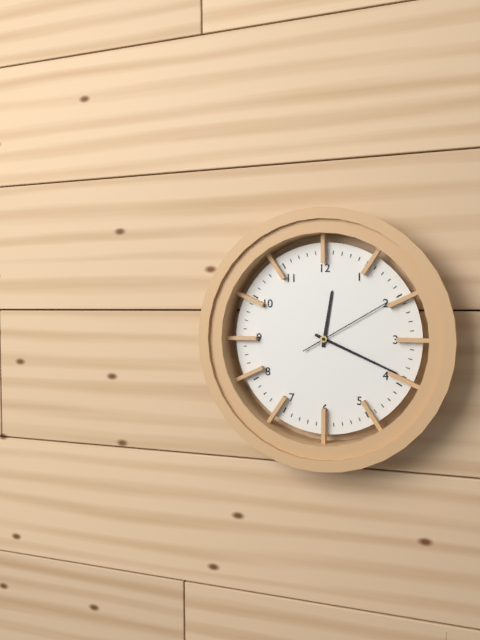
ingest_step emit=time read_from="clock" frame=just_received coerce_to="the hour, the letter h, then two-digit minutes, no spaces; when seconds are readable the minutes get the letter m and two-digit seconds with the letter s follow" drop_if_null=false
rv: 12h19m10s
